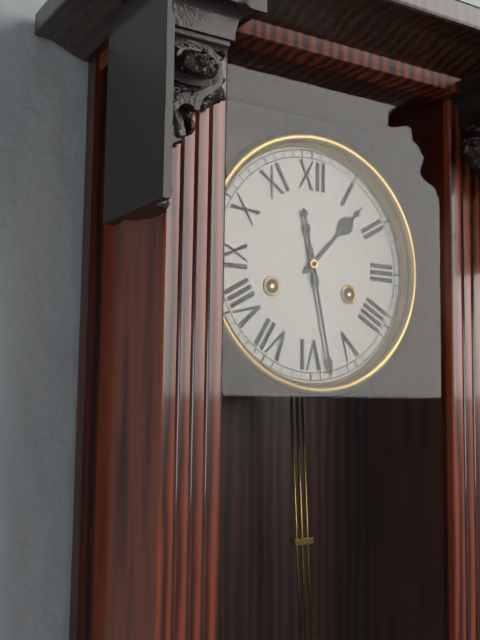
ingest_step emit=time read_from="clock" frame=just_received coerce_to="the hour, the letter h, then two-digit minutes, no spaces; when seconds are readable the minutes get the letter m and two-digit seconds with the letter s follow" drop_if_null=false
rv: 1h28
